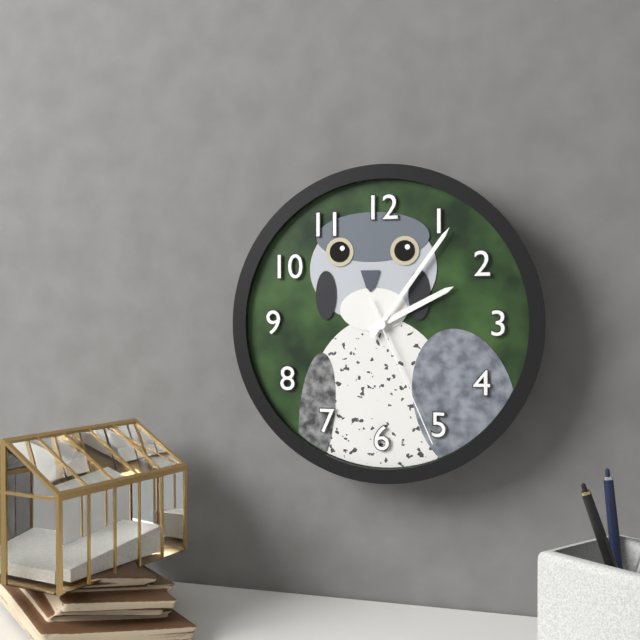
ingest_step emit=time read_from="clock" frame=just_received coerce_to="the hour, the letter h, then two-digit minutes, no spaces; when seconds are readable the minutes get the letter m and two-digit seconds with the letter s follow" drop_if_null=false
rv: 2h06m26s
